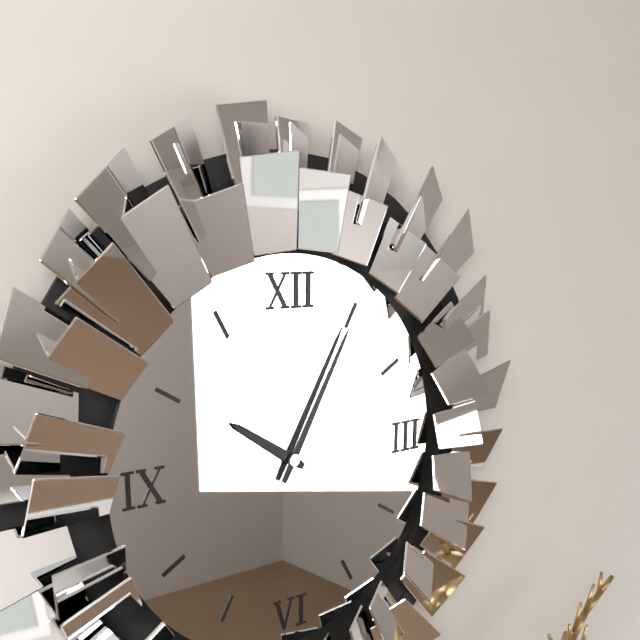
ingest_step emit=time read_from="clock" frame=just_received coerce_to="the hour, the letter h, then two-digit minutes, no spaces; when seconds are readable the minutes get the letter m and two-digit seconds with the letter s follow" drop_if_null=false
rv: 10h05
